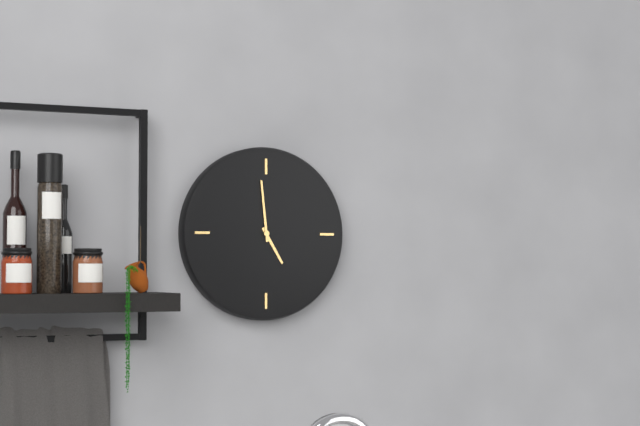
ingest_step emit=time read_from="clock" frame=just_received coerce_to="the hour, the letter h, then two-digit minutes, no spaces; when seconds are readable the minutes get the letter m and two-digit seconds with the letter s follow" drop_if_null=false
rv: 4h59
